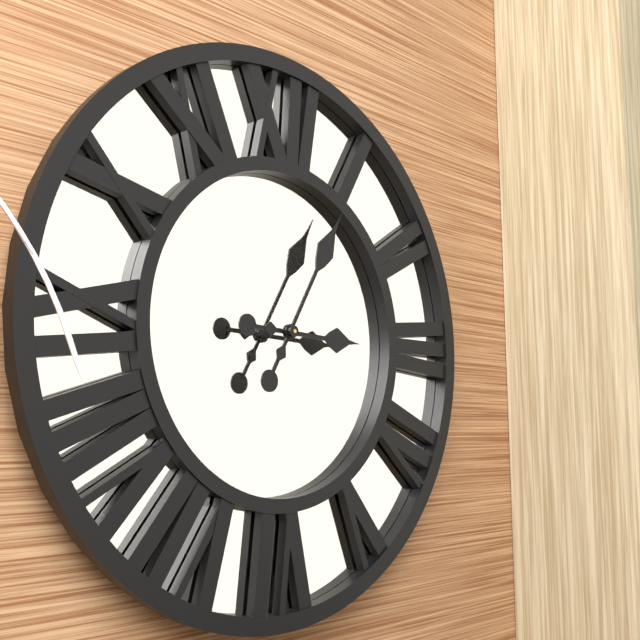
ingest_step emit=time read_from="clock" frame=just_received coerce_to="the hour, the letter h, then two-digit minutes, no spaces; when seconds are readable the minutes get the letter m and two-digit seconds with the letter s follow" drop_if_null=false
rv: 3h05
